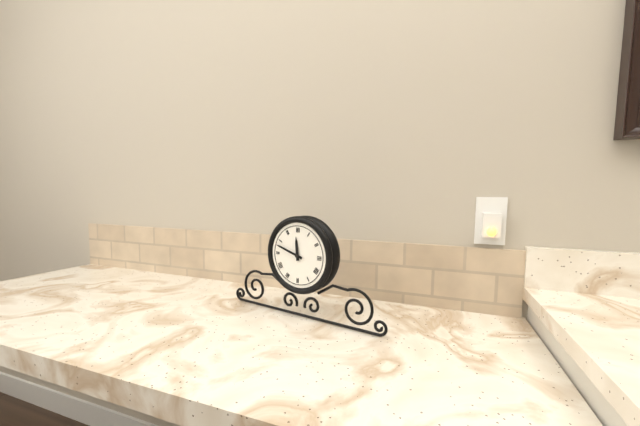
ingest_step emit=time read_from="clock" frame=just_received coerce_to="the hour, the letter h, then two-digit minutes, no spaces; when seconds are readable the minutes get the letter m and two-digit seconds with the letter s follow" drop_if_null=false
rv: 11h48
